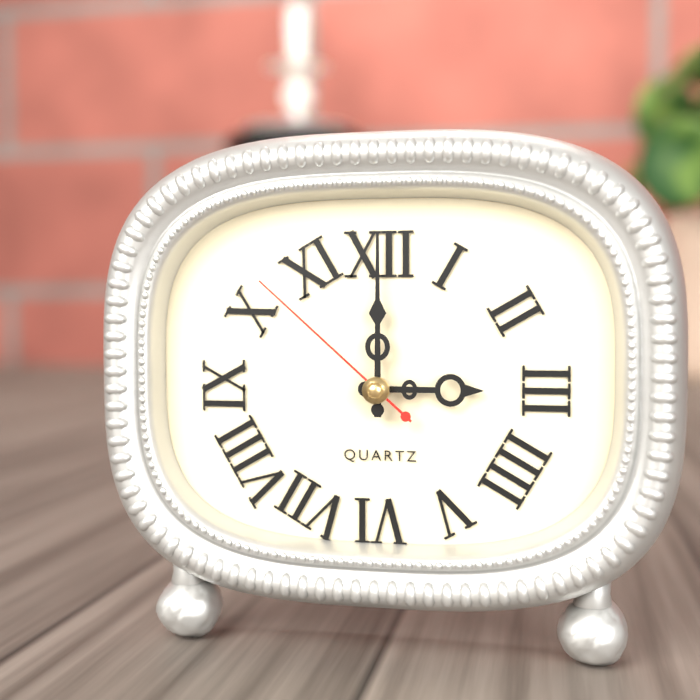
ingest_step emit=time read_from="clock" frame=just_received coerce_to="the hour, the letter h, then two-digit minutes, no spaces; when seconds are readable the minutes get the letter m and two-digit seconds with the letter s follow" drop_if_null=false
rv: 3h00m52s
